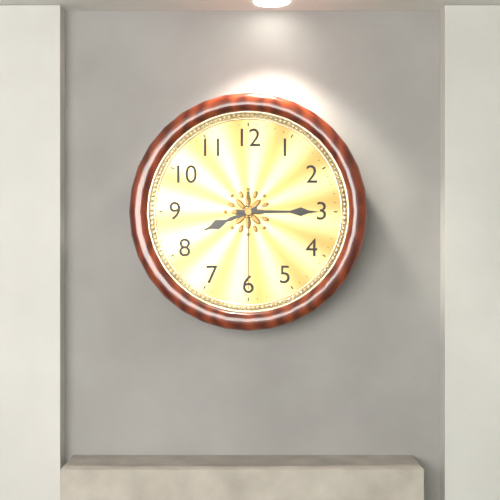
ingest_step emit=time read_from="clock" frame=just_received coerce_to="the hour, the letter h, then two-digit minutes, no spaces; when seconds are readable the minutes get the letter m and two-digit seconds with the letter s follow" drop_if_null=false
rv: 8h15m30s
